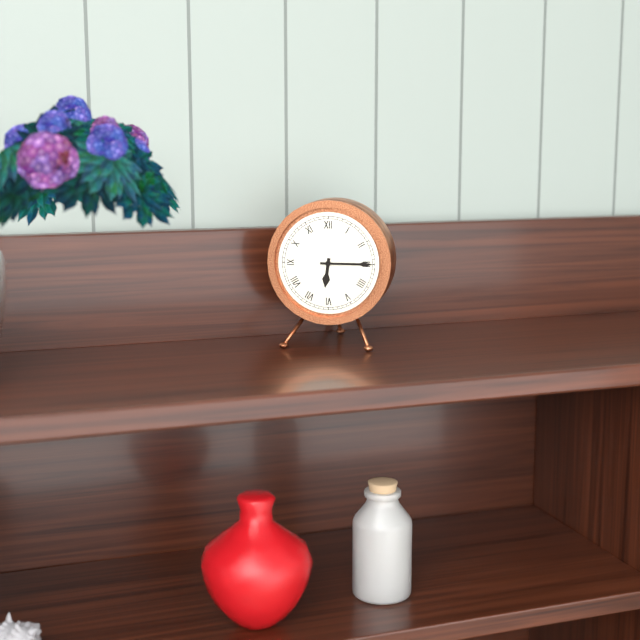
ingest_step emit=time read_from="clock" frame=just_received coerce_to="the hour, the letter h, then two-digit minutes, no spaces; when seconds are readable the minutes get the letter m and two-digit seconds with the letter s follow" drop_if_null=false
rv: 6h15
